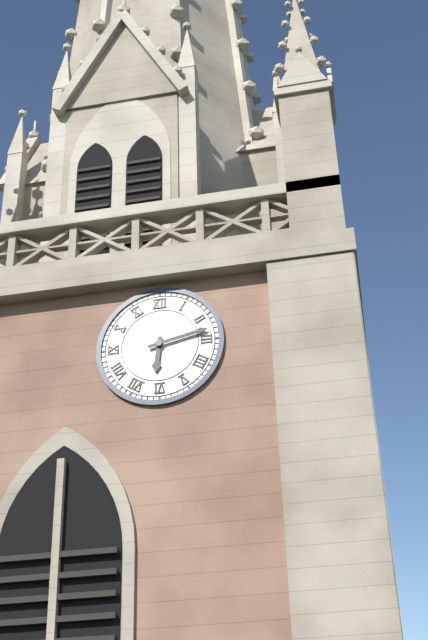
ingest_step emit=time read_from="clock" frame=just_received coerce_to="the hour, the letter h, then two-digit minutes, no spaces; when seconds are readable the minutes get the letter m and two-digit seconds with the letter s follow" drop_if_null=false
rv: 6h13
